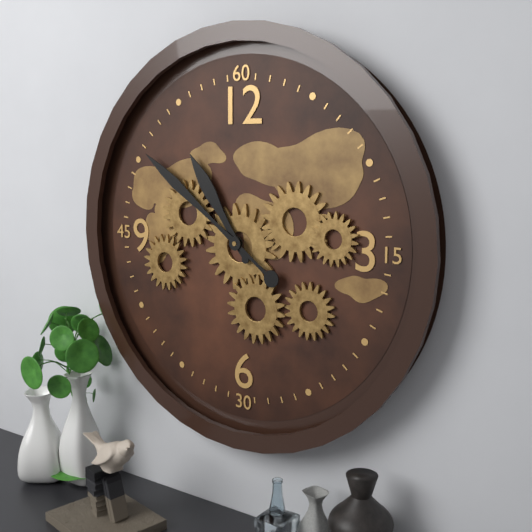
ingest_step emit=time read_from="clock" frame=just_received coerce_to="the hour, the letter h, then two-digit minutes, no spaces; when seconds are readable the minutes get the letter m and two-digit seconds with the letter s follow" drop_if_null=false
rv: 10h51
